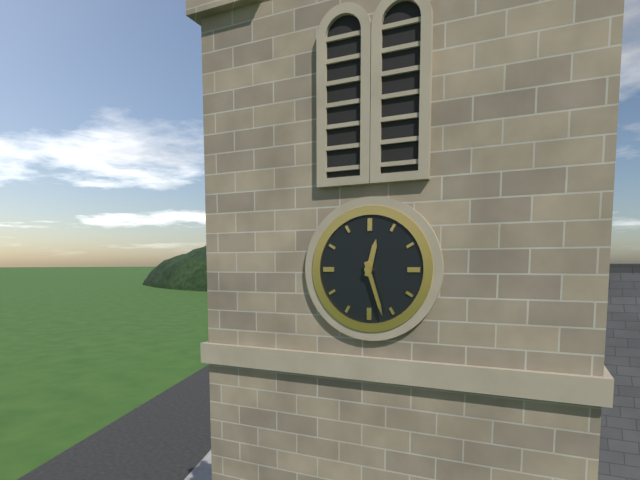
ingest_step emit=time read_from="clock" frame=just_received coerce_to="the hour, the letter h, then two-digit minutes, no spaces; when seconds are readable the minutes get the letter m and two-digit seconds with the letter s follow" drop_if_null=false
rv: 12h27
